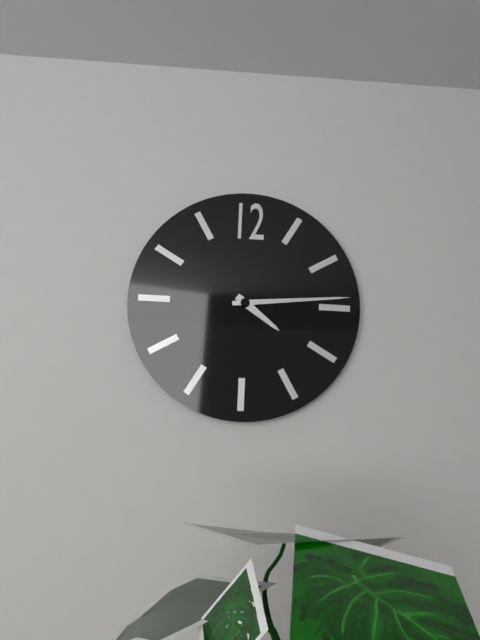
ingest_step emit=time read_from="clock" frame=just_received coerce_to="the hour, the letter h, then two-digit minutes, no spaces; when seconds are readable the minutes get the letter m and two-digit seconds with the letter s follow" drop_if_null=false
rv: 4h14
